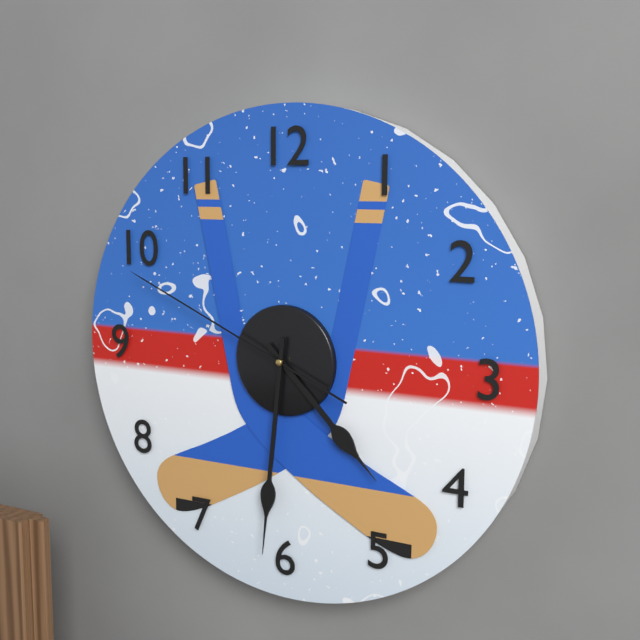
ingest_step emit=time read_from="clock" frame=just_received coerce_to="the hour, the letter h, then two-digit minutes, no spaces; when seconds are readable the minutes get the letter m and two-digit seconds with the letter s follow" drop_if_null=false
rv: 4h31m49s
